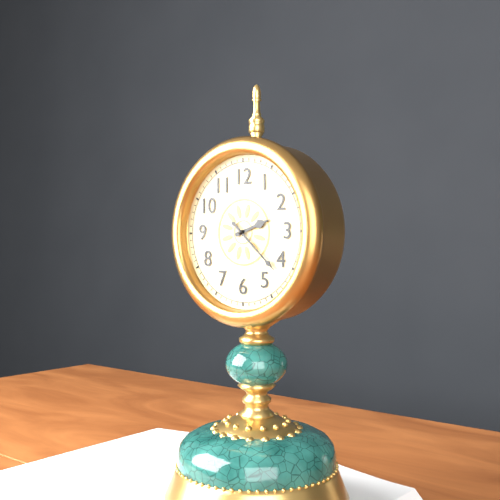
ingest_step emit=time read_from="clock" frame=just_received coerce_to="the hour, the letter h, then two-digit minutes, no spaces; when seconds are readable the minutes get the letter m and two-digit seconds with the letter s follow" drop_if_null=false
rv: 2h22
